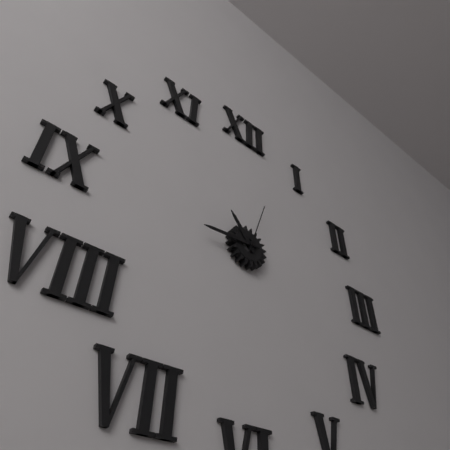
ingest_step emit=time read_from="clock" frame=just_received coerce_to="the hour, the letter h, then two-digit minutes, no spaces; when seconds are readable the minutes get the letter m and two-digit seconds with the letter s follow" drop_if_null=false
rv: 10h44m03s
